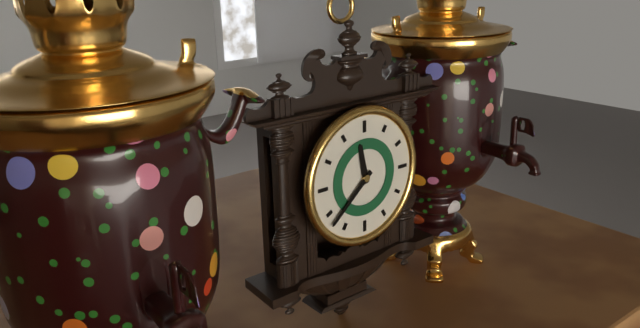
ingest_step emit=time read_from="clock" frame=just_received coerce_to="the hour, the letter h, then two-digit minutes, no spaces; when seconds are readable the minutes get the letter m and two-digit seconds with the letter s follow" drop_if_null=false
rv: 11h38
